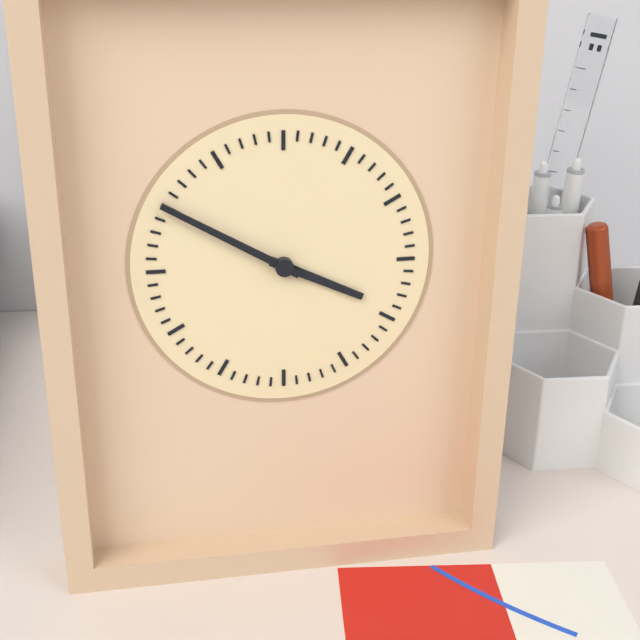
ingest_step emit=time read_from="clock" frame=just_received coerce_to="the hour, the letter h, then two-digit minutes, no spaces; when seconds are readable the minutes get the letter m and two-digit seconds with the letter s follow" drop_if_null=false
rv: 3h50
